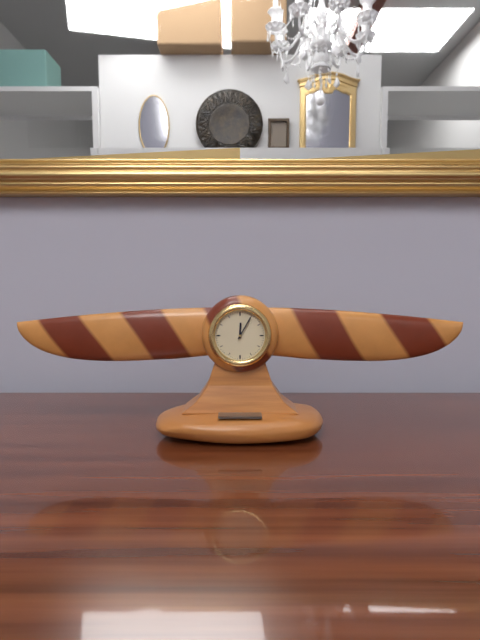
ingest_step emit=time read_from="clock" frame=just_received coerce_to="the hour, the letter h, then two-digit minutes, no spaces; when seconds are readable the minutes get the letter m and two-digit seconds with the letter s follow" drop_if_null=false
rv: 12h05
